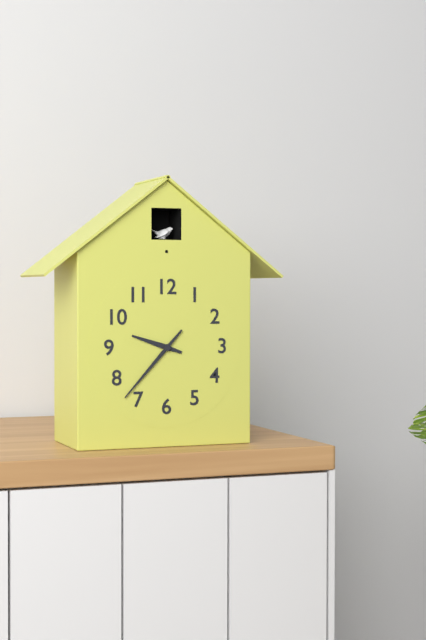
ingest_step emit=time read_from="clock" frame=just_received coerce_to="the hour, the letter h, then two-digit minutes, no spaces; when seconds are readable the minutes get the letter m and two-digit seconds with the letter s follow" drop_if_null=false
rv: 9h37
